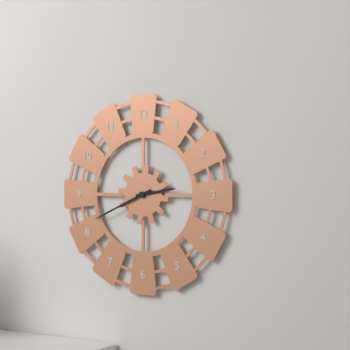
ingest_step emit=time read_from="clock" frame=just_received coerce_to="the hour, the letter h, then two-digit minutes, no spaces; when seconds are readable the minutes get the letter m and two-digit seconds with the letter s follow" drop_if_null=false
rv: 2h41
